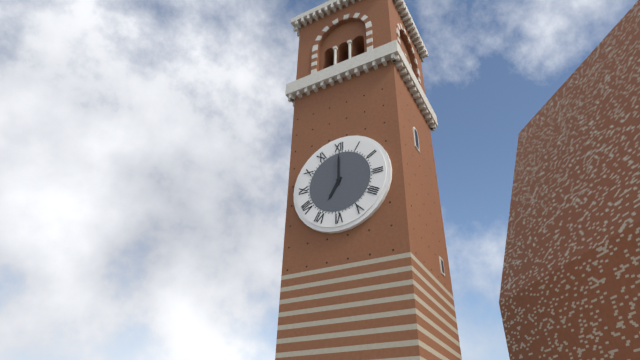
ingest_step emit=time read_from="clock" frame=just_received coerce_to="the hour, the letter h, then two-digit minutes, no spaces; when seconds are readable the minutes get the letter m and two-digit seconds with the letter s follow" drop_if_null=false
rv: 7h00
